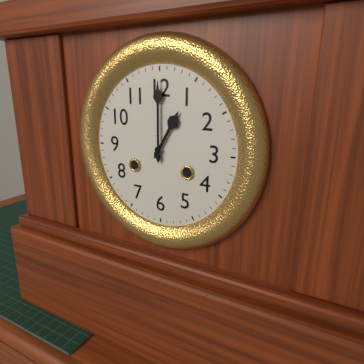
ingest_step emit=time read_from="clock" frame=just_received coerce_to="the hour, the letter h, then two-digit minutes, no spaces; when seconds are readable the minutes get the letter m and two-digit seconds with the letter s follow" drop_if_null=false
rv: 1h00
